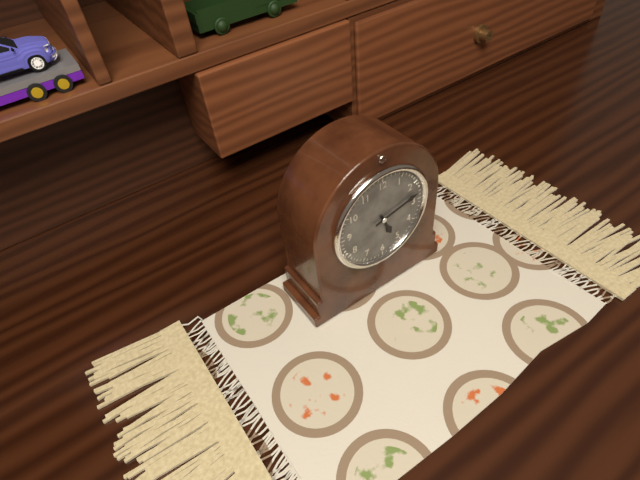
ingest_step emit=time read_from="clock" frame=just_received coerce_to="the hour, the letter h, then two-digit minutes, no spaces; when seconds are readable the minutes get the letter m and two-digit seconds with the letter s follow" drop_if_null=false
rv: 5h13
